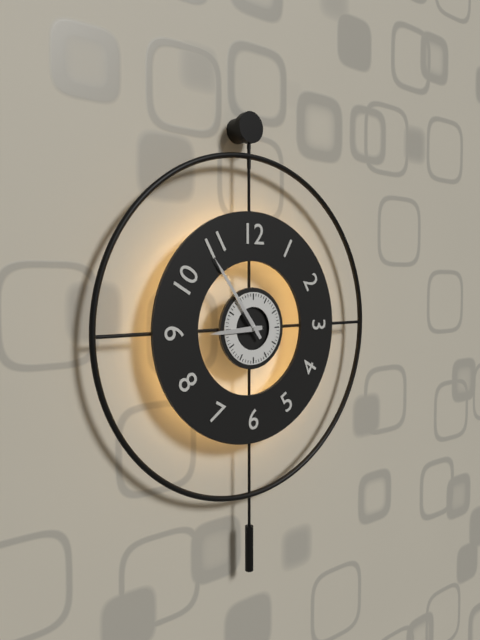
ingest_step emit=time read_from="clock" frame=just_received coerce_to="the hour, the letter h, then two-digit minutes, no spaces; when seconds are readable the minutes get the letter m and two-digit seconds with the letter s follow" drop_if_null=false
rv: 8h54
